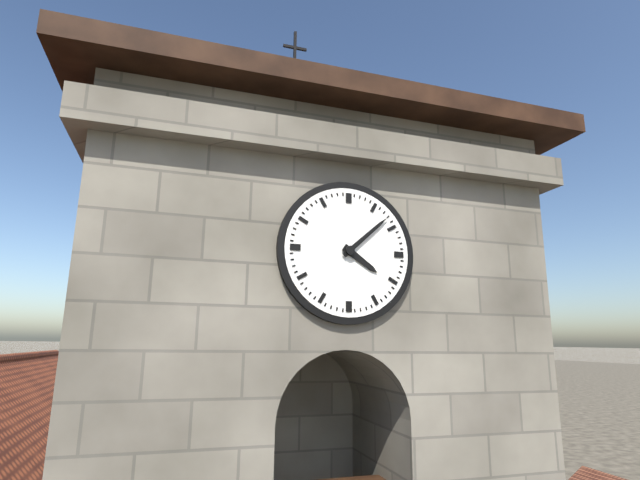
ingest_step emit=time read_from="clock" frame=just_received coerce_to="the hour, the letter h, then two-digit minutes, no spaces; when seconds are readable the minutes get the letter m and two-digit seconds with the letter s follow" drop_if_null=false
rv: 4h08
